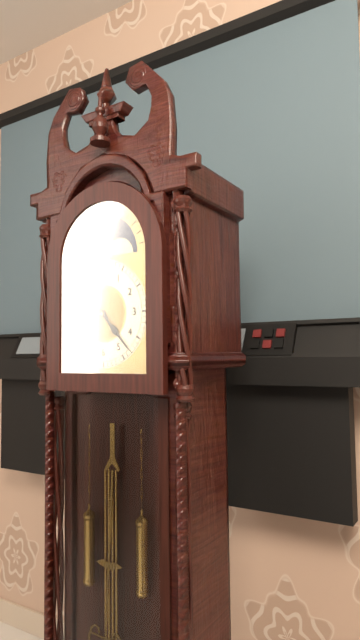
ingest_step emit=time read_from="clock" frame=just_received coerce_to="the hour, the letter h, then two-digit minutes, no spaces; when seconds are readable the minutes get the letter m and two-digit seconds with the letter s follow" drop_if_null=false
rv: 10h23
